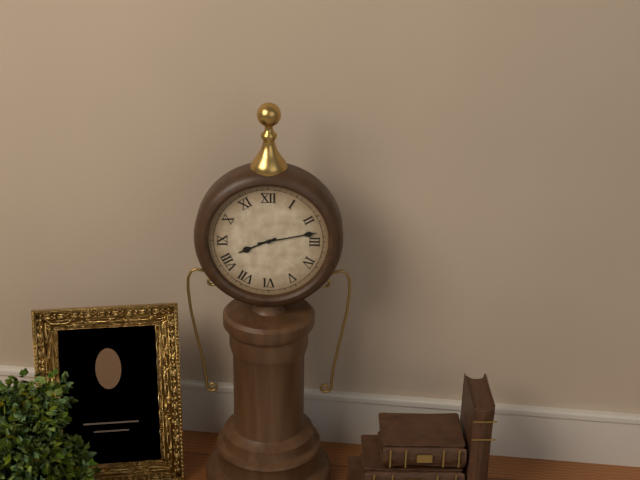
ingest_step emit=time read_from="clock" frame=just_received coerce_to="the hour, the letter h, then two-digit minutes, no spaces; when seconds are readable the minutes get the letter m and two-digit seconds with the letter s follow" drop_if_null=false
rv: 8h13
